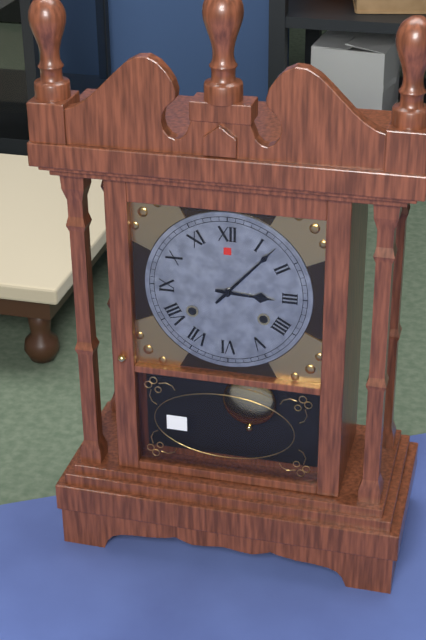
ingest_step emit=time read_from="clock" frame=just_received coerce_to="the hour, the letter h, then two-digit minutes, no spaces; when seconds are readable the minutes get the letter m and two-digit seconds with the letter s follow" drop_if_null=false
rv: 3h07
